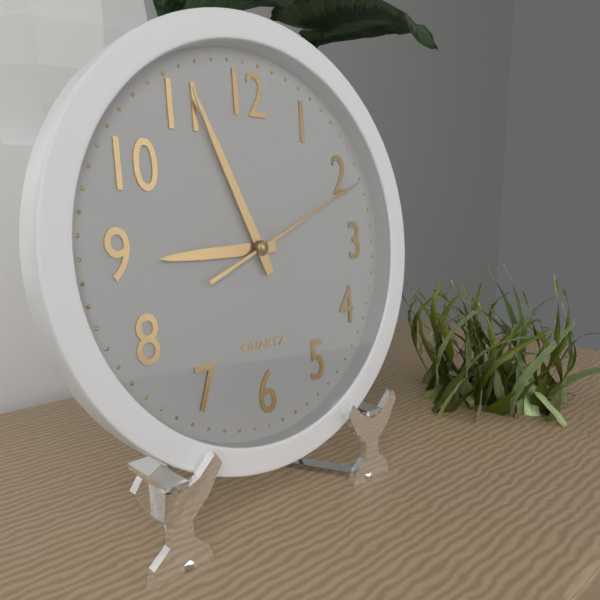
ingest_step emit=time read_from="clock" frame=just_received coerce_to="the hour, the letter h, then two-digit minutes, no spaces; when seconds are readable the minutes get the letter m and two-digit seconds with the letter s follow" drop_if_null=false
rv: 8h56m11s
